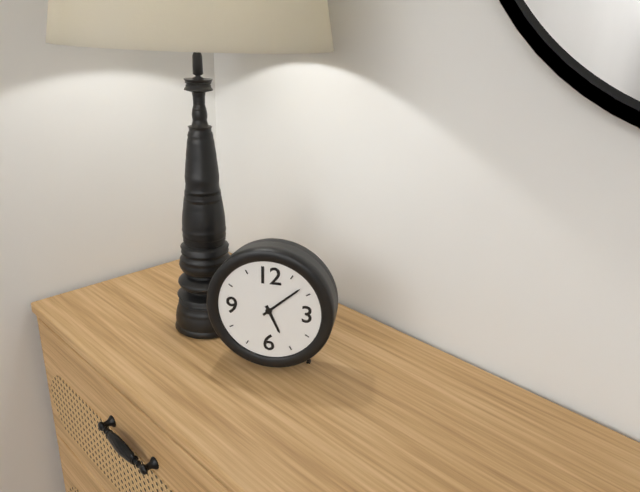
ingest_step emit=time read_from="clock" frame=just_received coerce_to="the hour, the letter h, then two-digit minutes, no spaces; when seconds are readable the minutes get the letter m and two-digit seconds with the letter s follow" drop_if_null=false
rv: 5h08
